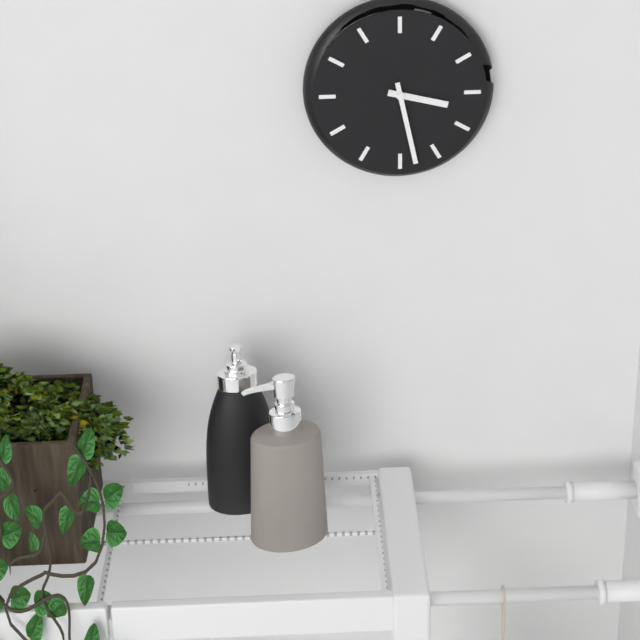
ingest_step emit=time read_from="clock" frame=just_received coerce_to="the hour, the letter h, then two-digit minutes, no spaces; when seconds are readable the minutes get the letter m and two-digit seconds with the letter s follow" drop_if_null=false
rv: 3h28
